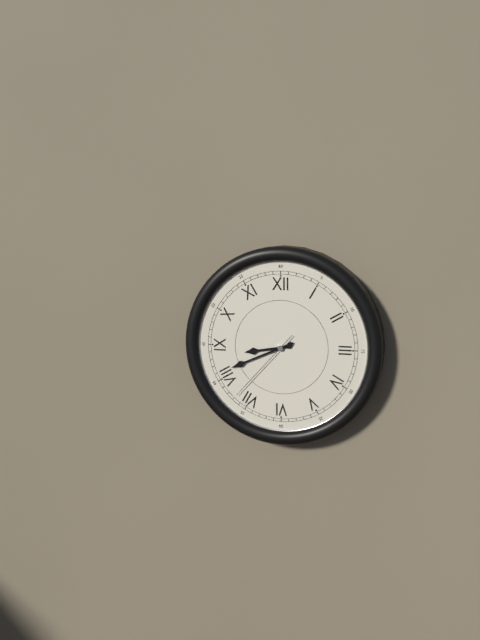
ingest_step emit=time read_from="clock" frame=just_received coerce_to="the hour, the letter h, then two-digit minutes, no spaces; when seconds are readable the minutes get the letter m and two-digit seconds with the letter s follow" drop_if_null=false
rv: 8h41m37s
